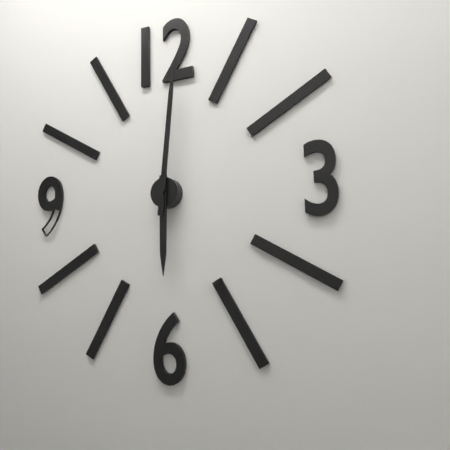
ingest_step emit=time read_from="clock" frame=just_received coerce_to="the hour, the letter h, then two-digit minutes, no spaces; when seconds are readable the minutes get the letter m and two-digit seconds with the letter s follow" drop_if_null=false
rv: 6h01
